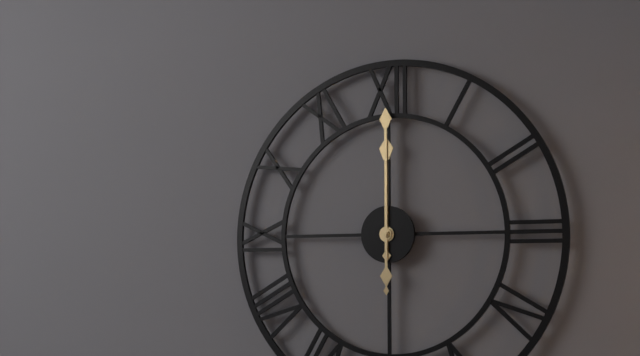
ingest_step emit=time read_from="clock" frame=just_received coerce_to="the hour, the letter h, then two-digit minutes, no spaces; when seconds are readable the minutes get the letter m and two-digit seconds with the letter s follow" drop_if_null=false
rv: 12h00
